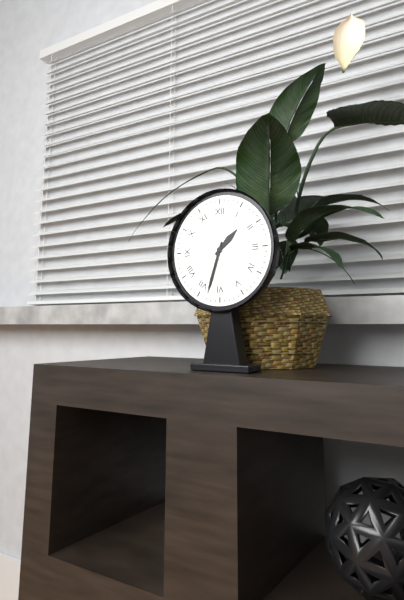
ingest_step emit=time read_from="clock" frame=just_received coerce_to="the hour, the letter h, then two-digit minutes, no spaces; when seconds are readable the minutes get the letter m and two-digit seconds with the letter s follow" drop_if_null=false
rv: 1h33
